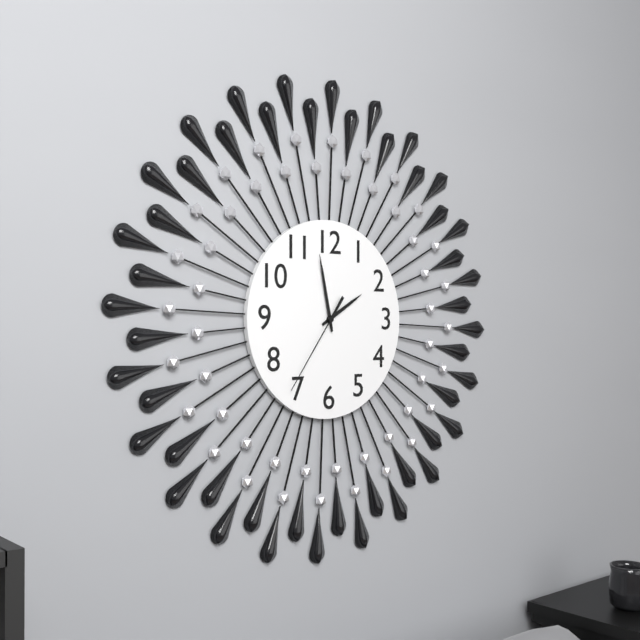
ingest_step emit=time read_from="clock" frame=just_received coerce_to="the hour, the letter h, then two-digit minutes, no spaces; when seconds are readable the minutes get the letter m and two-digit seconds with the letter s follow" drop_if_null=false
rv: 1h58m36s
